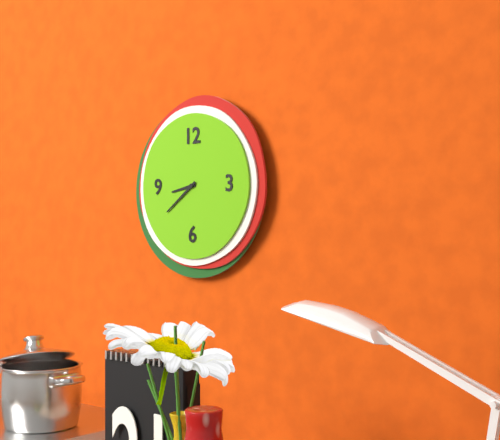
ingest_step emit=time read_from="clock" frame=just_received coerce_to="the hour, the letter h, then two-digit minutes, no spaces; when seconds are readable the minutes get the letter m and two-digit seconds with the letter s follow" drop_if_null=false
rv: 8h39
